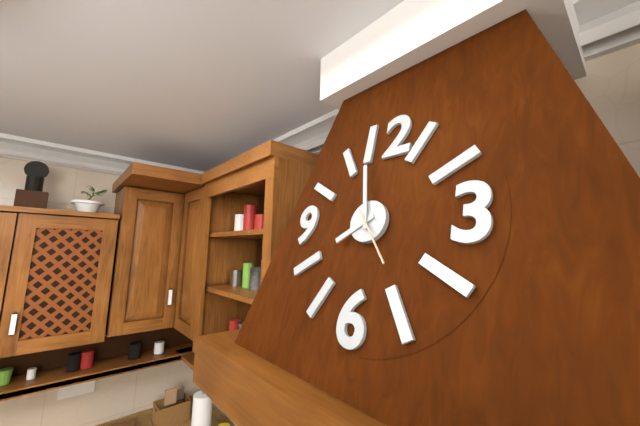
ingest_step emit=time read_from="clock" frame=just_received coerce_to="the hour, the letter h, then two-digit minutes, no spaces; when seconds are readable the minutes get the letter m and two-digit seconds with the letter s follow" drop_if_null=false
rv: 7h58m24s
